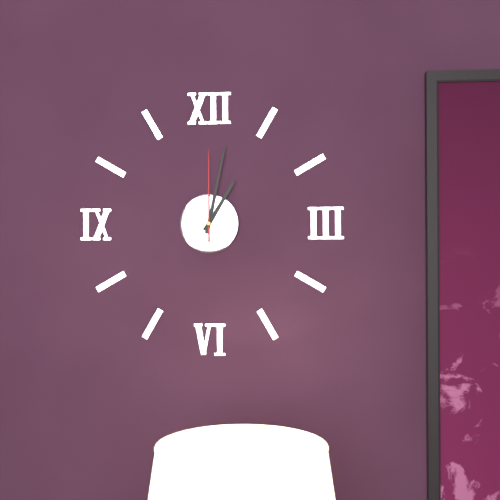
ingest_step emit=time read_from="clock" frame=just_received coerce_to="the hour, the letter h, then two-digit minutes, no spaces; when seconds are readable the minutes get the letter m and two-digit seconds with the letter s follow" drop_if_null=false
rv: 1h02m00s
